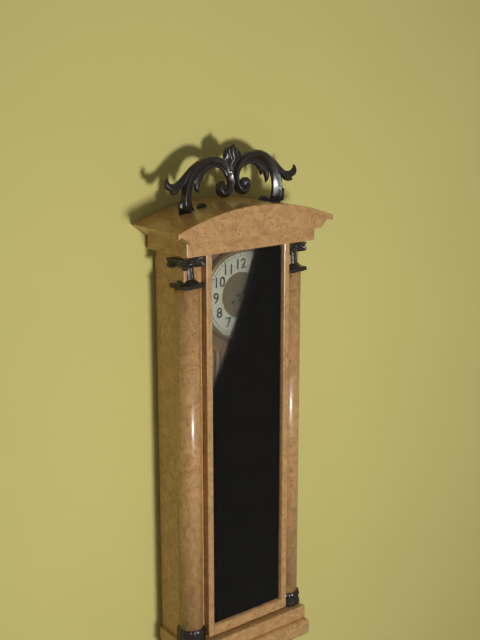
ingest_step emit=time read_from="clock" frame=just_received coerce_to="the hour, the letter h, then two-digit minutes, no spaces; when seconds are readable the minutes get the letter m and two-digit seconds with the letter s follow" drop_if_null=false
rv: 3h05
